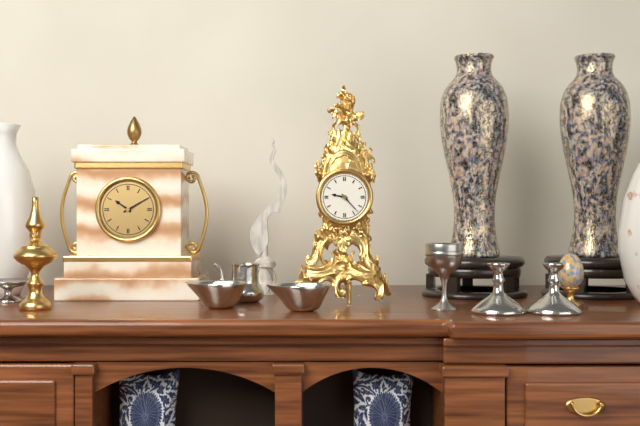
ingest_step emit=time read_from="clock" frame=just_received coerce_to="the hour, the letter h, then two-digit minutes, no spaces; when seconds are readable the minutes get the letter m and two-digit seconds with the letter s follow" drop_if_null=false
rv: 9h23
